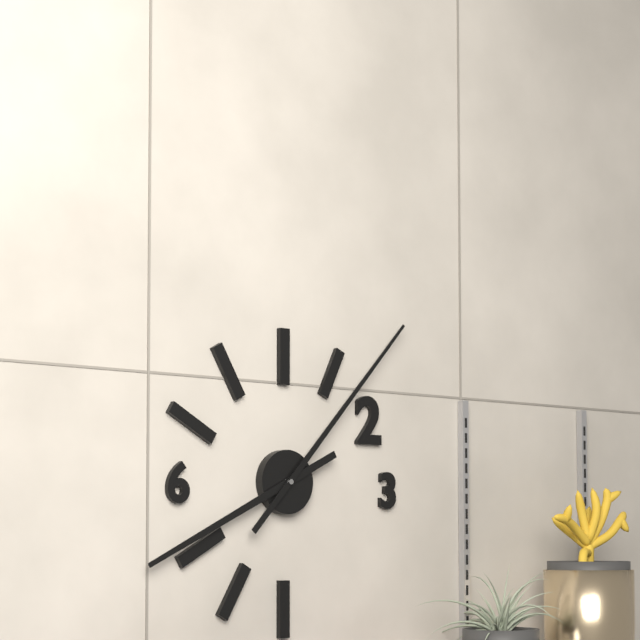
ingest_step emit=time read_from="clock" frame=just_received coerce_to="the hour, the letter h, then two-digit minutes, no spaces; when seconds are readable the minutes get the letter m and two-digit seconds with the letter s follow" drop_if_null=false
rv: 8h07
